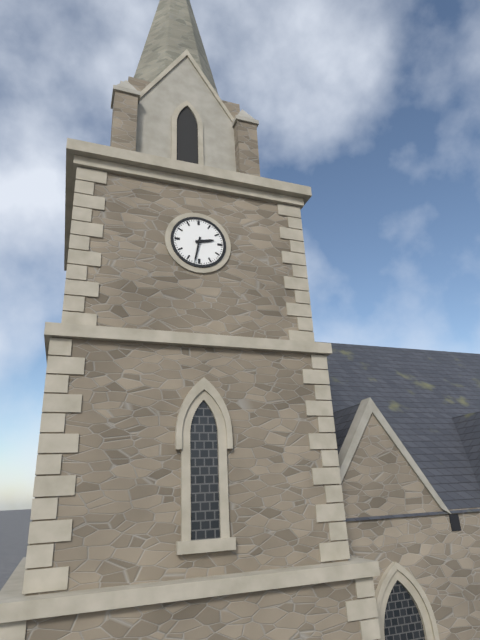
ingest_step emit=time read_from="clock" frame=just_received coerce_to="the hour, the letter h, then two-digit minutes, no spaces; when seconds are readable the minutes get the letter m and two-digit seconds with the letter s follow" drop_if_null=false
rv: 2h32
